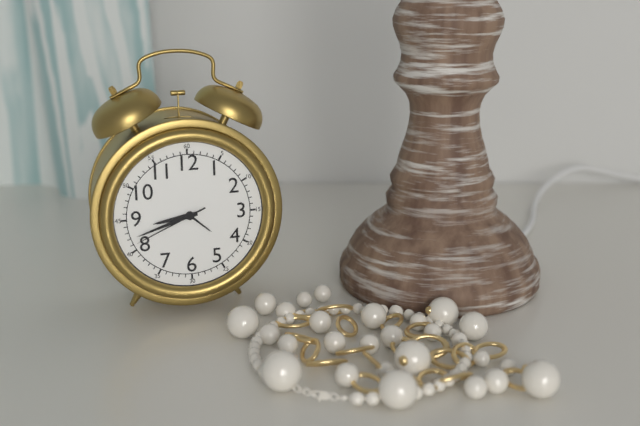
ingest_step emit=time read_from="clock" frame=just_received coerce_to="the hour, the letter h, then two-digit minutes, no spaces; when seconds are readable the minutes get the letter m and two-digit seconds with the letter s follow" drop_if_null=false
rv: 8h42m41s
